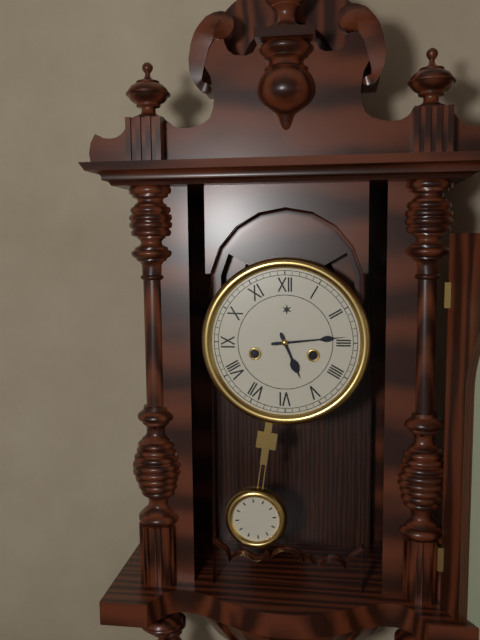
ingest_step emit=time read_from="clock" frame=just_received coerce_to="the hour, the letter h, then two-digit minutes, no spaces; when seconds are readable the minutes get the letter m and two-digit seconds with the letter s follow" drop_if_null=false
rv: 5h14
